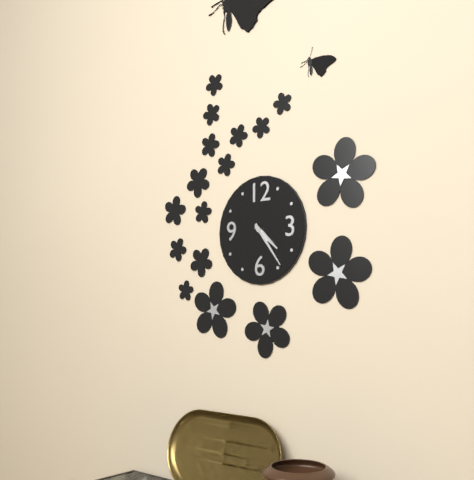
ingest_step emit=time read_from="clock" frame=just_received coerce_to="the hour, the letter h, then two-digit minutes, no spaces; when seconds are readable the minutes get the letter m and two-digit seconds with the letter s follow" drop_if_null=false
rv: 4h24
